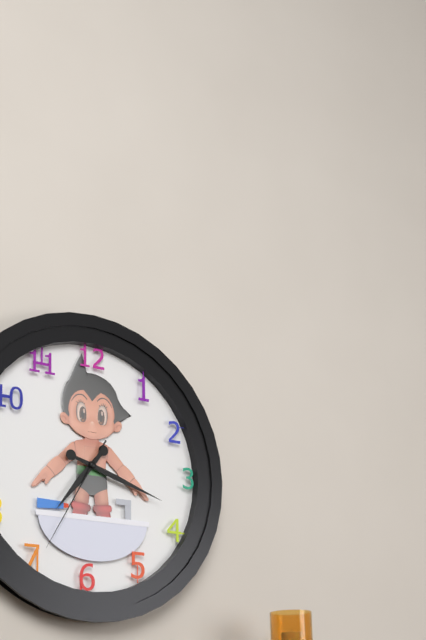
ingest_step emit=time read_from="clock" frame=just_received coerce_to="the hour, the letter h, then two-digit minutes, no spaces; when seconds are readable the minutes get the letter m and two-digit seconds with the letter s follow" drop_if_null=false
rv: 7h18m35s
